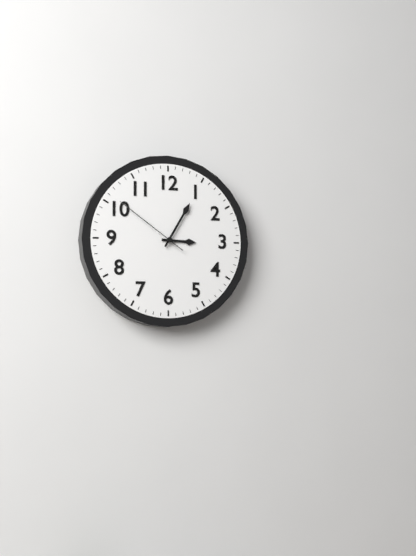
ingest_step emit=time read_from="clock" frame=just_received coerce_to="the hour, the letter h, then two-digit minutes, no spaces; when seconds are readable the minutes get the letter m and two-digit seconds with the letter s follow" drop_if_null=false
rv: 3h05m51s
